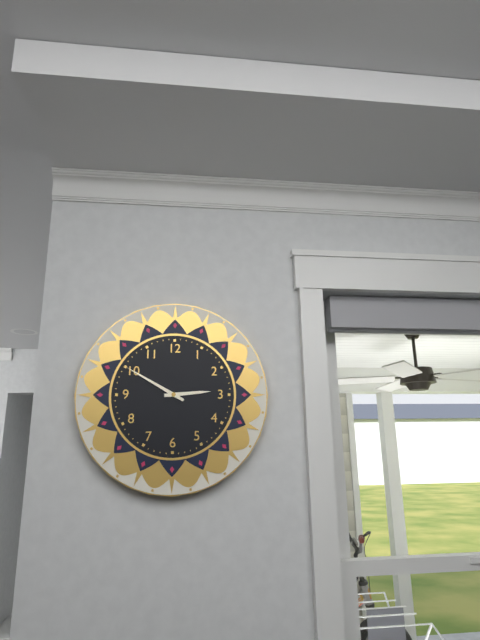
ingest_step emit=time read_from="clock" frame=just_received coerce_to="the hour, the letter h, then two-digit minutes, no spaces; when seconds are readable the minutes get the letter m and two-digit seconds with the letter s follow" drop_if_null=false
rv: 2h50
